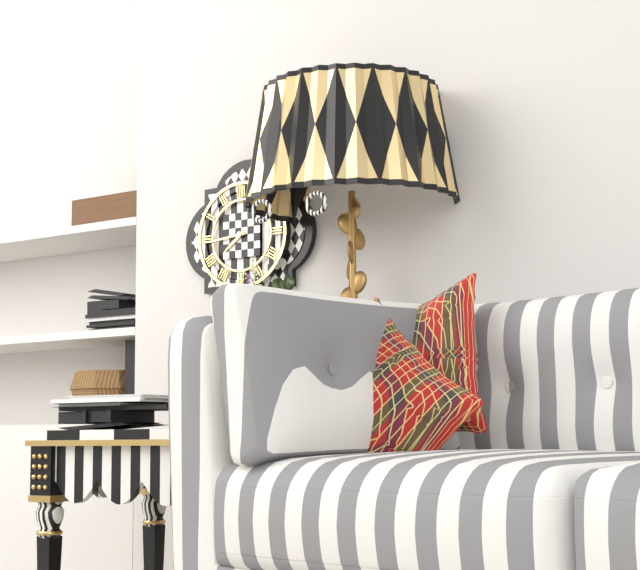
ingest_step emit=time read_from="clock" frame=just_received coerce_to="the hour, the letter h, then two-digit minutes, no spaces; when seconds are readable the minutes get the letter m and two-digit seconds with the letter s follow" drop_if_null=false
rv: 7h44
